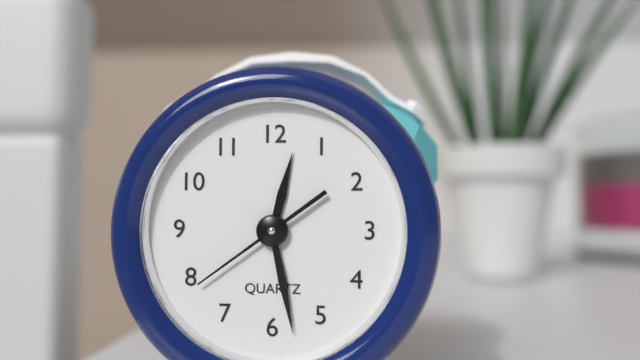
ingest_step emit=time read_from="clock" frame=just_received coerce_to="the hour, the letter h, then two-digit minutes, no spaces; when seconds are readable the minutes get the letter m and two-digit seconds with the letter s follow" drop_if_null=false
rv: 12h28m39s
